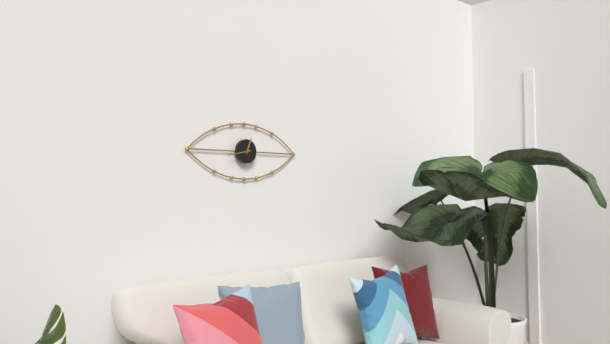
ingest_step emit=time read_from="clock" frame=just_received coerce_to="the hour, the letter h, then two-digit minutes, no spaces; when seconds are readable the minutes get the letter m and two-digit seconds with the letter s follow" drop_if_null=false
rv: 12h43
